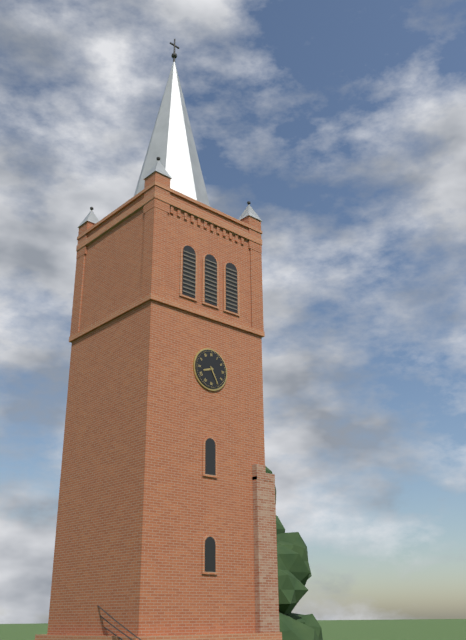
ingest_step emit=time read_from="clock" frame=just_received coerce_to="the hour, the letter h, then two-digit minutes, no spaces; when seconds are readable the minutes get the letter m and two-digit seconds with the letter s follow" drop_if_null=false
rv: 8h25
